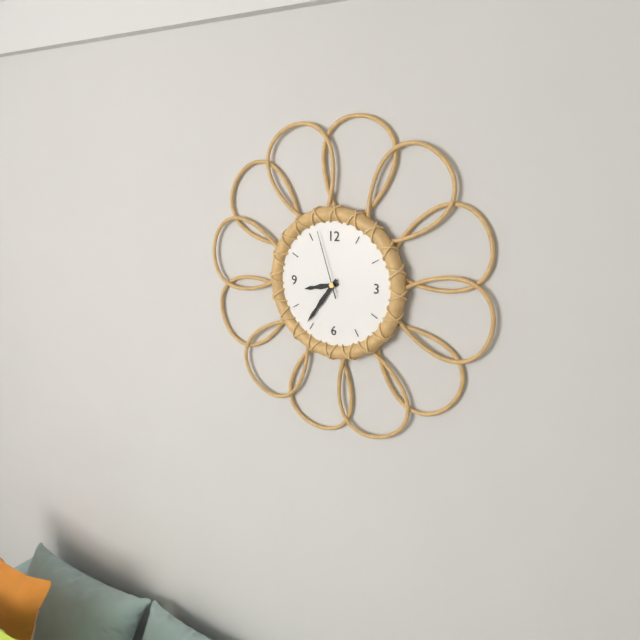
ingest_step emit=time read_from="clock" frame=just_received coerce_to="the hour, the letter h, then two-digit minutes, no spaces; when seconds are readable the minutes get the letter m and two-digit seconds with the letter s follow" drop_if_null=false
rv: 8h36m57s
